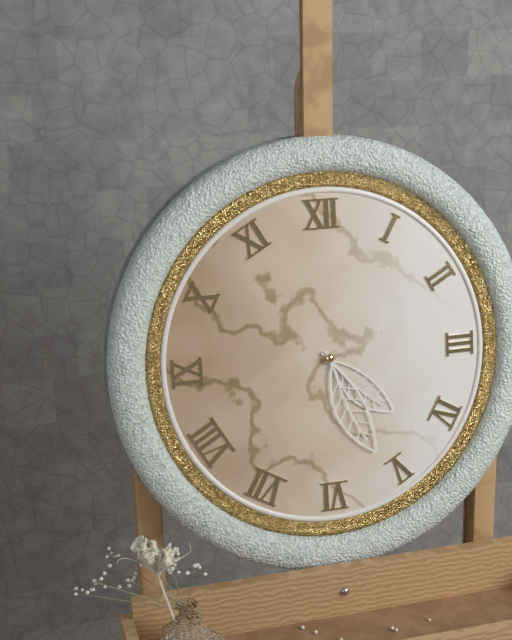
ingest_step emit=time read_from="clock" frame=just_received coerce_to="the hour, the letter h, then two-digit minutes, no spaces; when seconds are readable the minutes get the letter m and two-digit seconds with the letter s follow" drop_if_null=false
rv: 4h26
